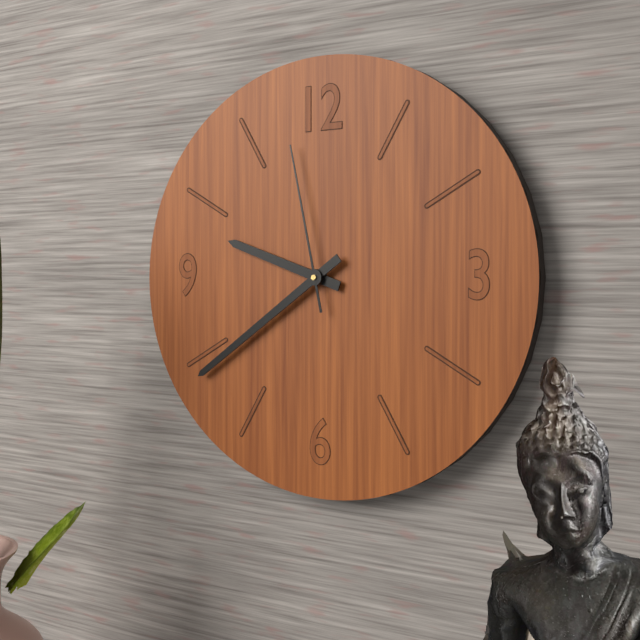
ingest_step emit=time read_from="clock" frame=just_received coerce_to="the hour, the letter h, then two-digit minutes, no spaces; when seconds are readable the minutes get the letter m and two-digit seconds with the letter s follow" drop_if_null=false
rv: 9h39m58s
